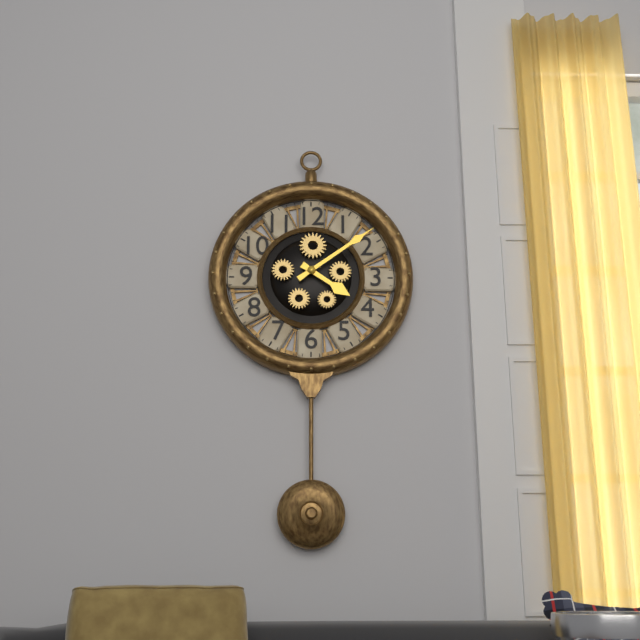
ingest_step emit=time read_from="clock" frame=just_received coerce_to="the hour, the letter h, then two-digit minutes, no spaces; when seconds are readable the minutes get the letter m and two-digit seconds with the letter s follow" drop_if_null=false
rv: 4h09
